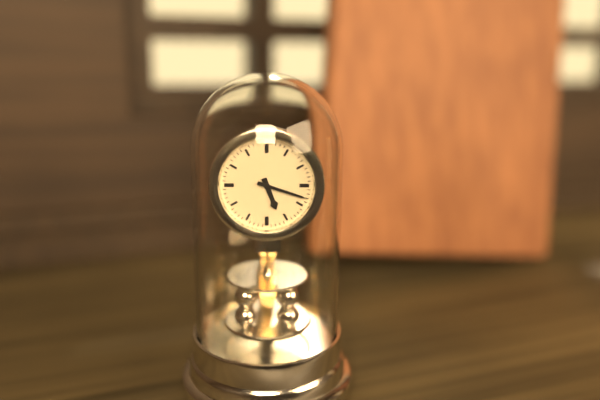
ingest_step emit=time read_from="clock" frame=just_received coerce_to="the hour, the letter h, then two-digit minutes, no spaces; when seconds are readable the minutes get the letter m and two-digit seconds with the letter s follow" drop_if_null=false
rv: 5h18
